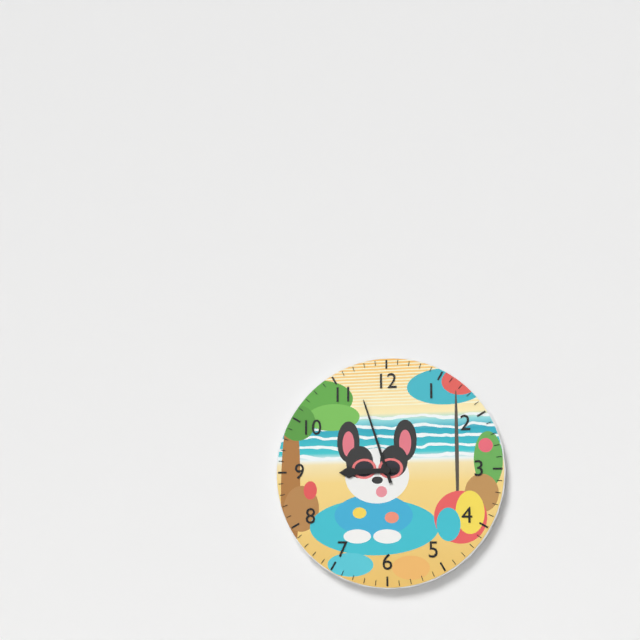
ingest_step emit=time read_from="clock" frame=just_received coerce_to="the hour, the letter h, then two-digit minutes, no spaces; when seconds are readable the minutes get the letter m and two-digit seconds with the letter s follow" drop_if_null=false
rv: 8h57
